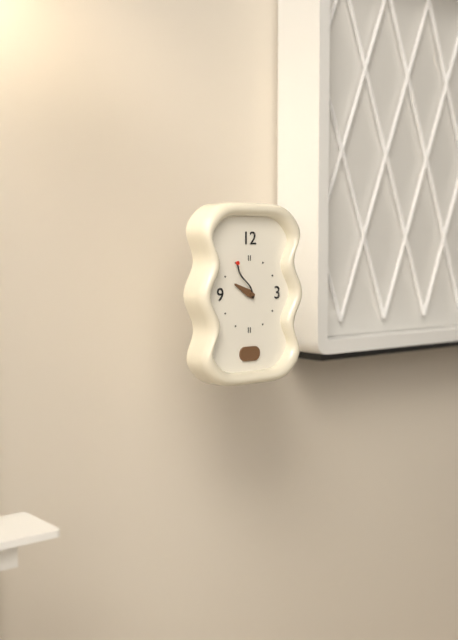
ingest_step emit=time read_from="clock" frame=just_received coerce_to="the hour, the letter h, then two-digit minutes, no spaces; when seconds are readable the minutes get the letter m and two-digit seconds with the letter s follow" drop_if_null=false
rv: 9h55
